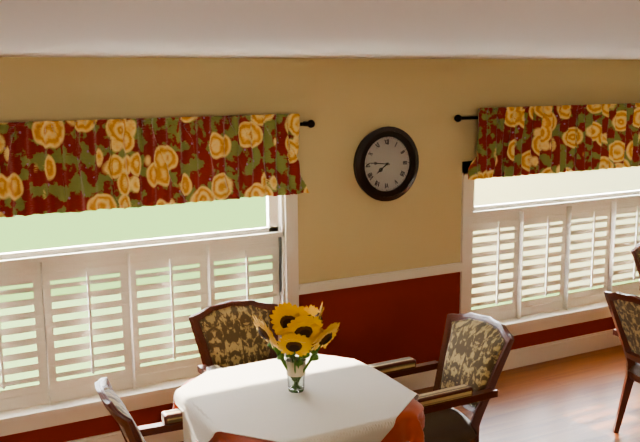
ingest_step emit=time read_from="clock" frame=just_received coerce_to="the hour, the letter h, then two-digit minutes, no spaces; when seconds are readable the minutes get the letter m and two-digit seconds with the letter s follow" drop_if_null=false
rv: 7h46
